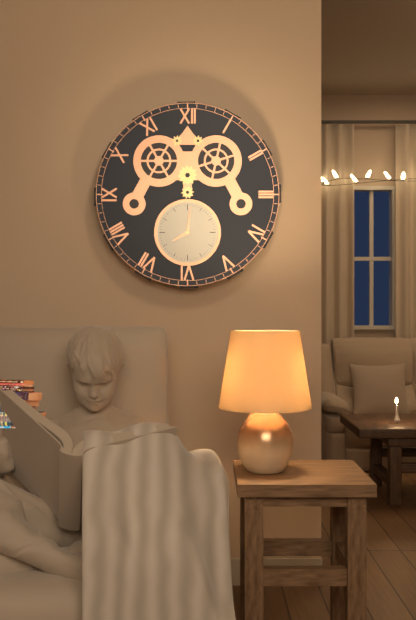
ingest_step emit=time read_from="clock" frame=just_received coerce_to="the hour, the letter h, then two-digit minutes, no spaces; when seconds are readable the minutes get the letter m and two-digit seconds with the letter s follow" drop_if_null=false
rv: 8h01
